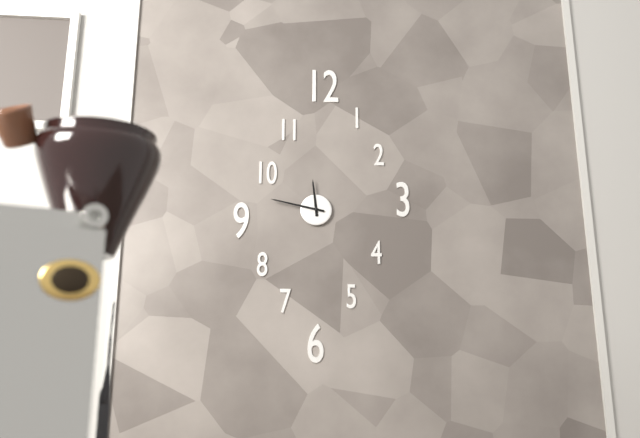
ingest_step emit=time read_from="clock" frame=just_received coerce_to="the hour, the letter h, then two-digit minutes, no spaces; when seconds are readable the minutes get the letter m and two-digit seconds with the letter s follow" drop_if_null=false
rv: 11h47
